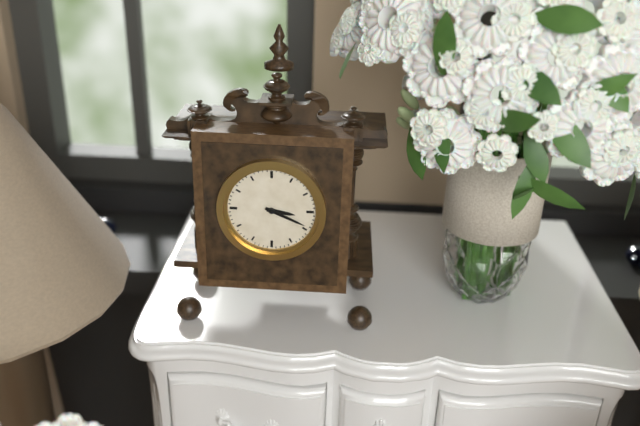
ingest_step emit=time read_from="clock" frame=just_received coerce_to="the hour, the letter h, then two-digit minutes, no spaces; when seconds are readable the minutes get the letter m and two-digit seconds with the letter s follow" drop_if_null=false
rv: 3h19
